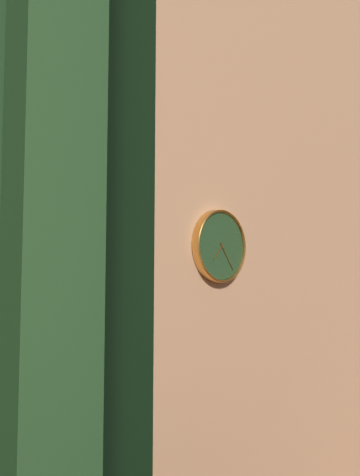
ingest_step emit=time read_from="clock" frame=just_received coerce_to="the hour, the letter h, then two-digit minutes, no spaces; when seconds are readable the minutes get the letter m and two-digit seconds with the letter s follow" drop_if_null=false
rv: 7h24
